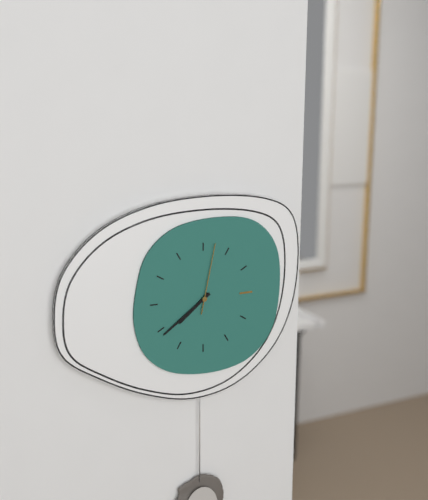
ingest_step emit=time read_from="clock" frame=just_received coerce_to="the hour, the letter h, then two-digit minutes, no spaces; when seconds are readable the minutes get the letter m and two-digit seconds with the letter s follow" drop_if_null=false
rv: 7h39m02s
